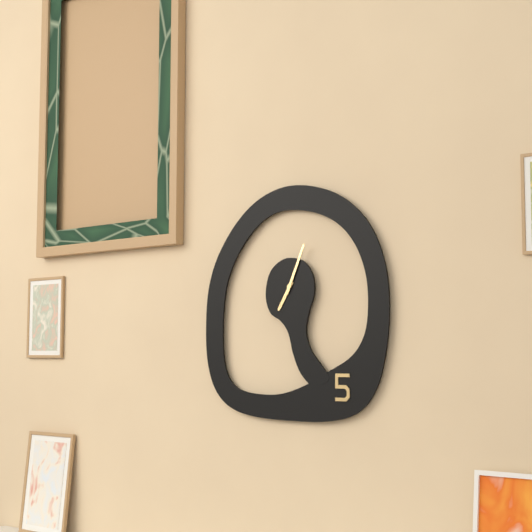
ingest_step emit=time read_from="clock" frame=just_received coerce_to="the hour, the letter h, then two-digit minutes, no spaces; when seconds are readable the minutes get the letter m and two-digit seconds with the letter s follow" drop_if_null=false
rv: 7h04
